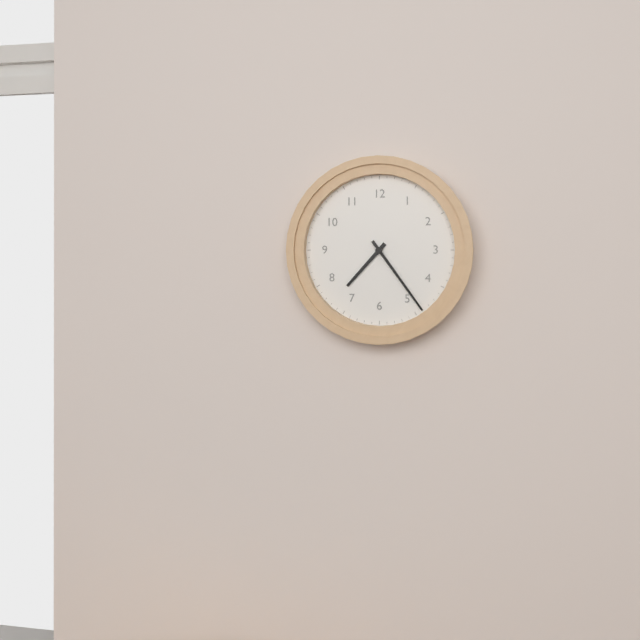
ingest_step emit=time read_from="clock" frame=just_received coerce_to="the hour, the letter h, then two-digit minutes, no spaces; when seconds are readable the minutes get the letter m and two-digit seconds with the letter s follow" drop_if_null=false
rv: 7h24
